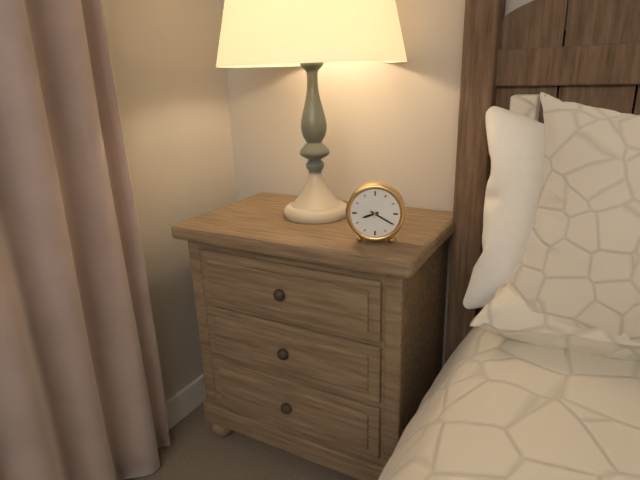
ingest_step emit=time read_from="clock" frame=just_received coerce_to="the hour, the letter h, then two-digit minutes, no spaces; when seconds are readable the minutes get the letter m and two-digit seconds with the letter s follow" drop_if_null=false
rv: 8h20
